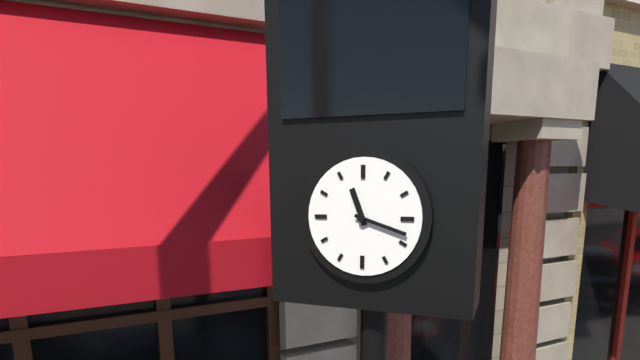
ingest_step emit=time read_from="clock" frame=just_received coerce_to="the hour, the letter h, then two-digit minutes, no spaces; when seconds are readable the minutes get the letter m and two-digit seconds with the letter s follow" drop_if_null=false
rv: 11h18
